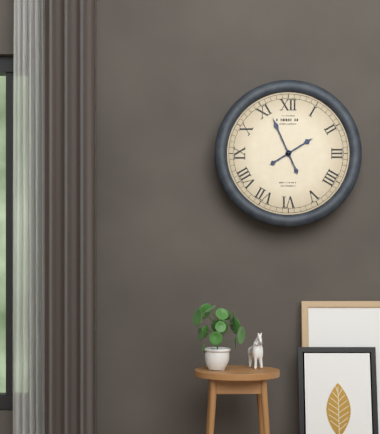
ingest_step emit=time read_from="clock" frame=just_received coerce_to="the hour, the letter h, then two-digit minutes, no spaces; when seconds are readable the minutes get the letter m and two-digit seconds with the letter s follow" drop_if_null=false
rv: 1h56
